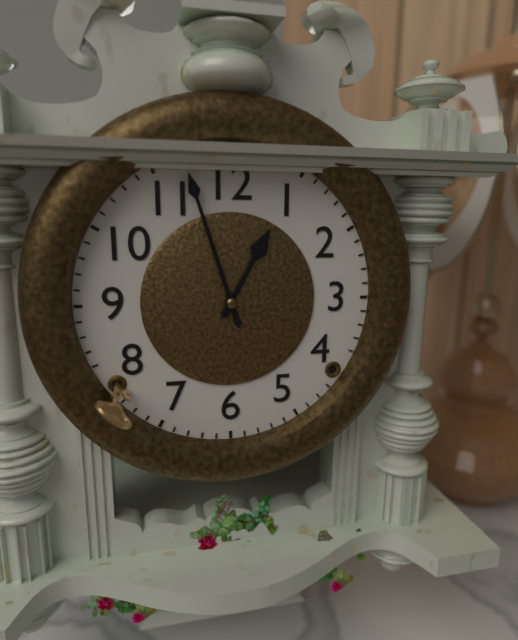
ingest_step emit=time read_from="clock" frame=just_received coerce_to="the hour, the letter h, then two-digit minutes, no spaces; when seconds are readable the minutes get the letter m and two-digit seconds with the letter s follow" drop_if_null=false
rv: 12h57
